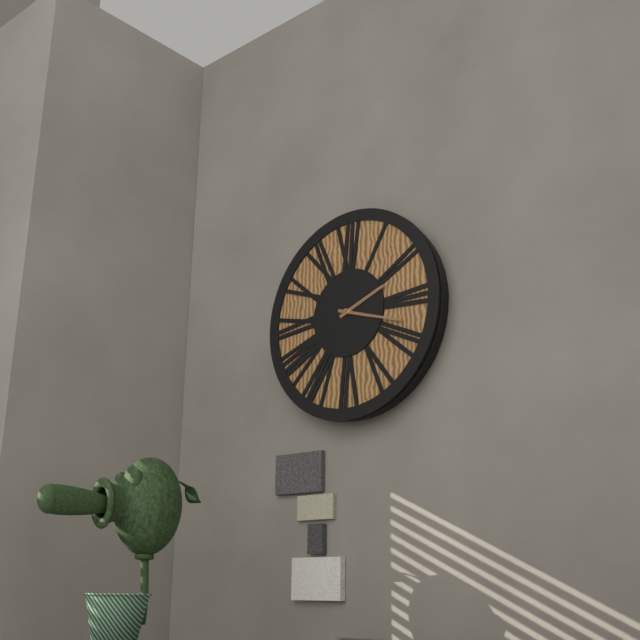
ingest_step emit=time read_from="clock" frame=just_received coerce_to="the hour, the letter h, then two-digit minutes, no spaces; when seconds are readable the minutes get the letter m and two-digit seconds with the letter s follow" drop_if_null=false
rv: 2h18
